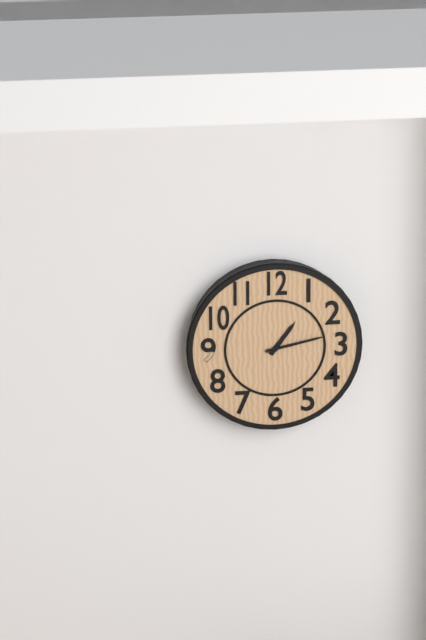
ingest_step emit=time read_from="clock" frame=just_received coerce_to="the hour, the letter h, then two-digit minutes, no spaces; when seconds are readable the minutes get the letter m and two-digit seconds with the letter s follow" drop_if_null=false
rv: 1h13
